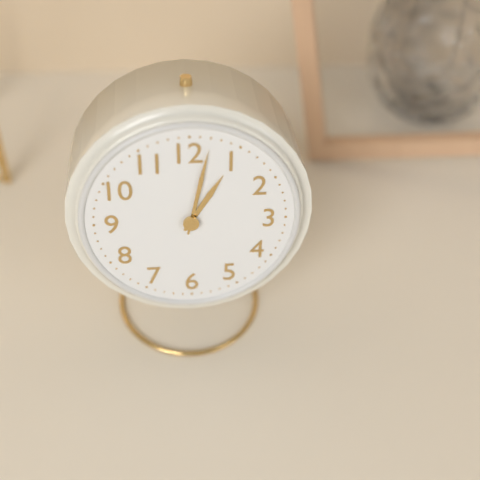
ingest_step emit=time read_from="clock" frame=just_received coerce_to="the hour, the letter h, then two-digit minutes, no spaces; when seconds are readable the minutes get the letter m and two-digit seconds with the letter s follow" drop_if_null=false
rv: 1h02
